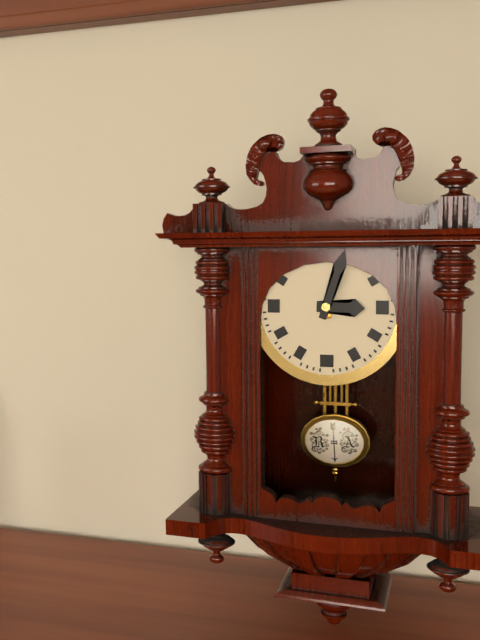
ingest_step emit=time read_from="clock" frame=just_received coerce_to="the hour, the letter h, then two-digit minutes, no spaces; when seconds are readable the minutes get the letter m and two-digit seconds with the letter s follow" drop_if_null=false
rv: 3h03
